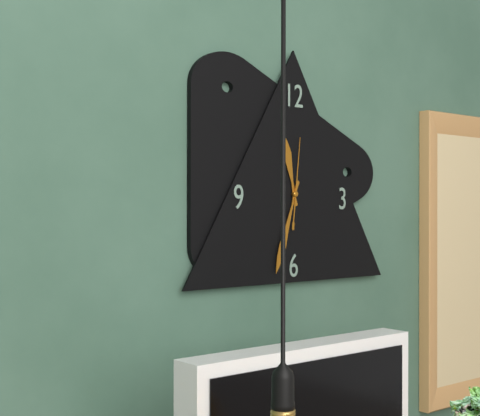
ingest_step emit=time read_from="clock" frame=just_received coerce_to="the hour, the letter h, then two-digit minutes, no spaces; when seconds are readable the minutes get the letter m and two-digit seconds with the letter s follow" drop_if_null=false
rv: 11h33m01s
